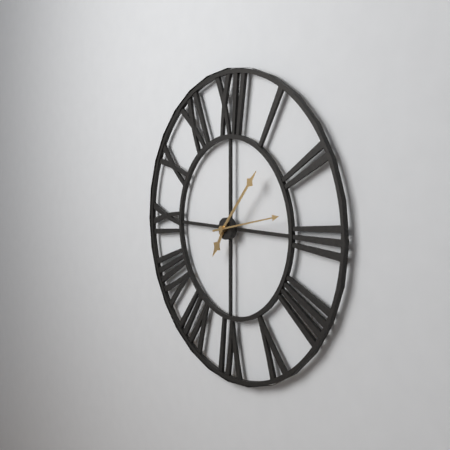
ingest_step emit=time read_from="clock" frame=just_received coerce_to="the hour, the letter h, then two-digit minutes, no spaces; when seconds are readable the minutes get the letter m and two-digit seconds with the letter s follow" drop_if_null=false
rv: 7h07m13s
